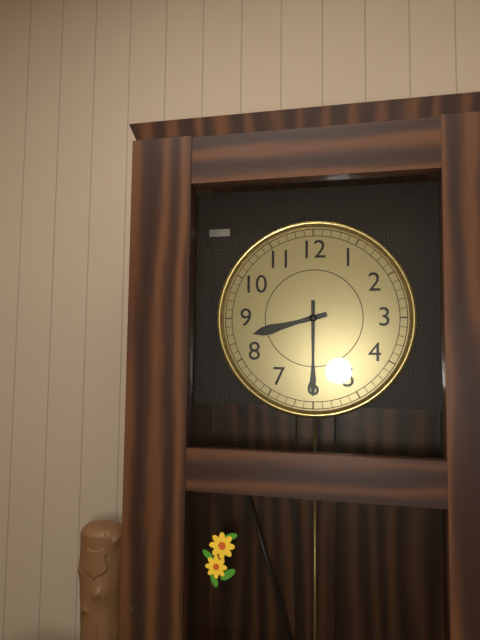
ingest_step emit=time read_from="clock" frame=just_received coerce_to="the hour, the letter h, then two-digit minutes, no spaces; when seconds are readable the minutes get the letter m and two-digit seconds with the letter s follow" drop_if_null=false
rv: 8h30
